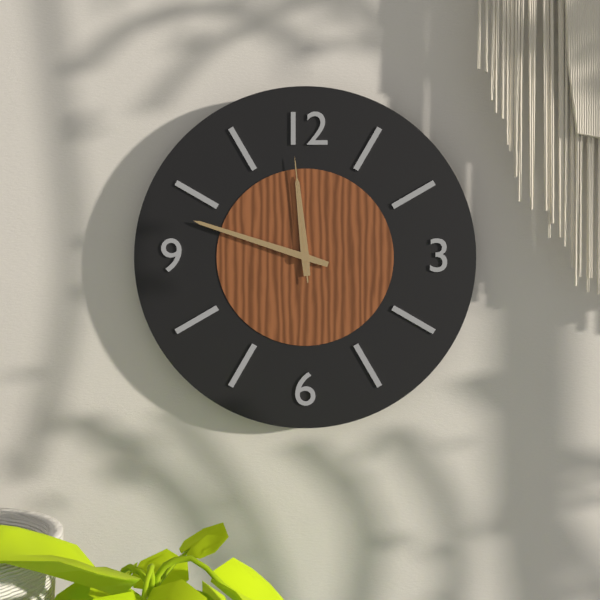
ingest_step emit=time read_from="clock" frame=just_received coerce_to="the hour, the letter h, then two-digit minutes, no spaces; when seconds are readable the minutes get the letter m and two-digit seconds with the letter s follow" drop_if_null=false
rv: 11h48m59s
